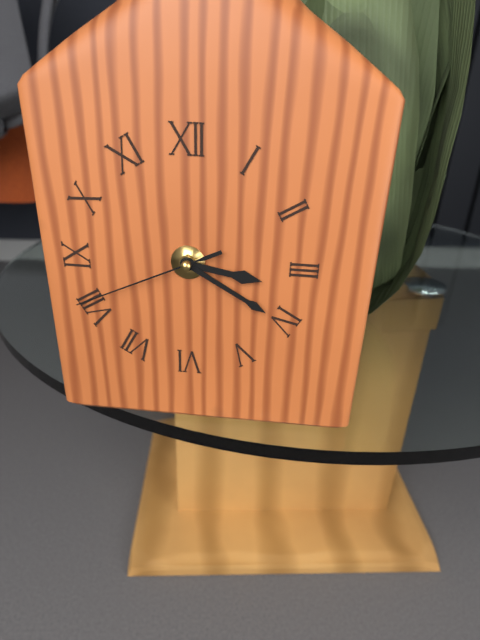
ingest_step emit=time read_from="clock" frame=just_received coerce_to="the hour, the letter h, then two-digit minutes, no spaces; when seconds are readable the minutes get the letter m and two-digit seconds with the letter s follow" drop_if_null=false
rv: 3h20m41s
